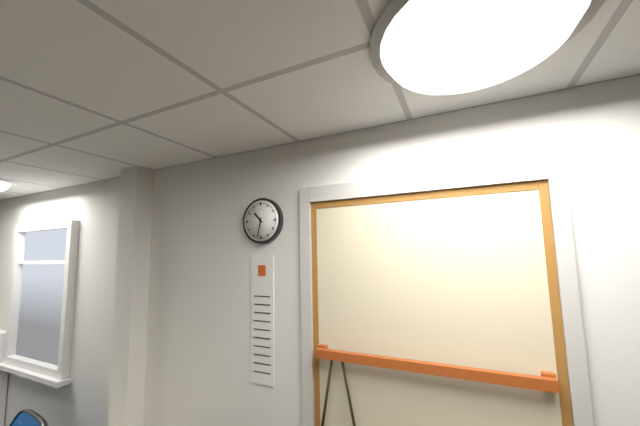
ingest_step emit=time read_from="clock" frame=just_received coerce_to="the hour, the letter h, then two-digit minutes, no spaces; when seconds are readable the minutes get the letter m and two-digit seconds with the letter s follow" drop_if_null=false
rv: 10h32
